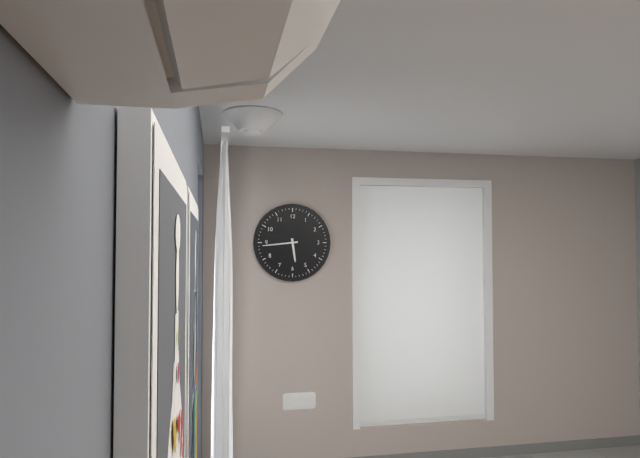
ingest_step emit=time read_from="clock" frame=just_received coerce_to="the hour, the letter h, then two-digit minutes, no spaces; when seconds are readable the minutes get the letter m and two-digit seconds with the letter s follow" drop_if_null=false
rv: 5h44
